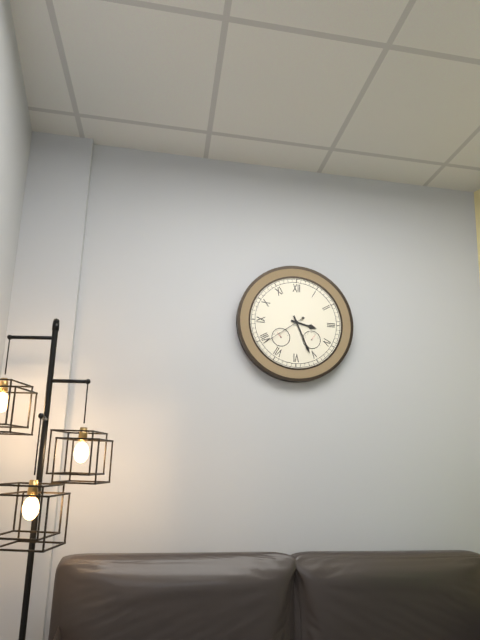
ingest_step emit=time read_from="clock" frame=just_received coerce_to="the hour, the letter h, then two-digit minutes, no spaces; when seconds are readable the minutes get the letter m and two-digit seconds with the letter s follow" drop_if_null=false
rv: 3h26
